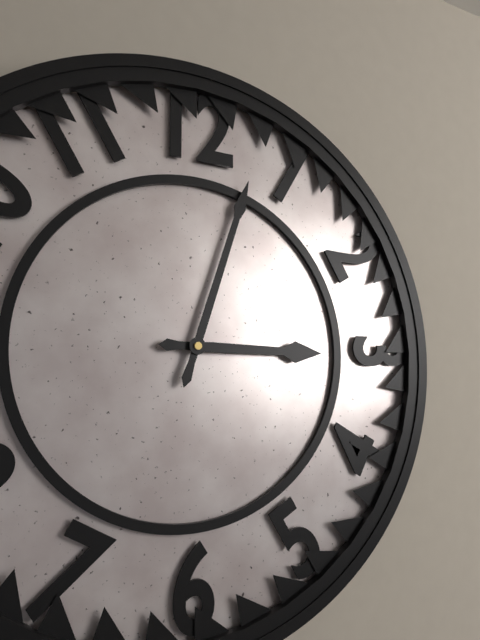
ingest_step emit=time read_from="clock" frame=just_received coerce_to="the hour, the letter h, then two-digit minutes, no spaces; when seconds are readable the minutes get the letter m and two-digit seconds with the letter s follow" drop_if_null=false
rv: 3h03
